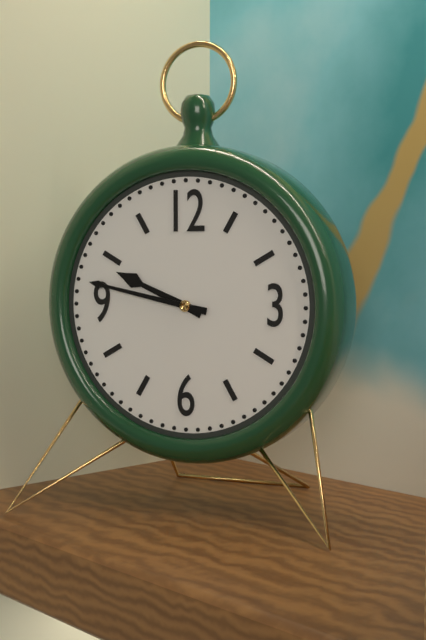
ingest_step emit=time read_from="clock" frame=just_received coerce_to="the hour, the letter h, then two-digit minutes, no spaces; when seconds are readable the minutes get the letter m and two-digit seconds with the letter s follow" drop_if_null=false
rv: 9h47
